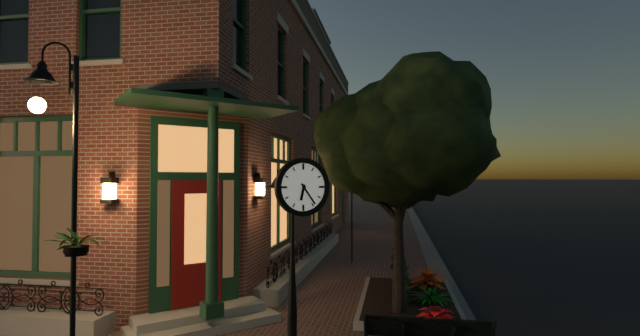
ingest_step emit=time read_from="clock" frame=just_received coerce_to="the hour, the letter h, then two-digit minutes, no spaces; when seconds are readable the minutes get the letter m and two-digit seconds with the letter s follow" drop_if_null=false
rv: 6h24
